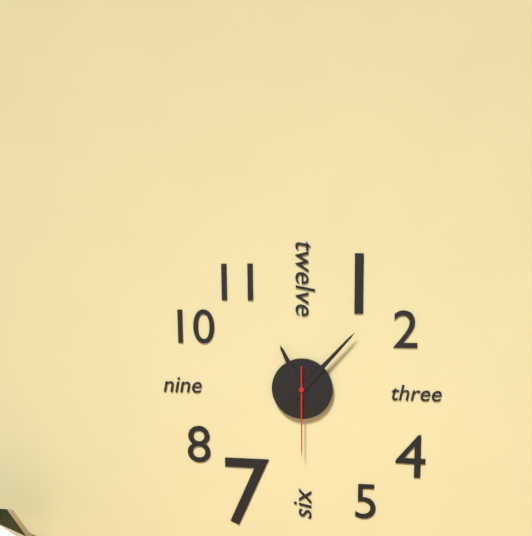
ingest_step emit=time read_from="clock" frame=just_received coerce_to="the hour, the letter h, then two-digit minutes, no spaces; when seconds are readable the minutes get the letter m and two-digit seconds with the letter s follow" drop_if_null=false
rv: 11h07m30s
